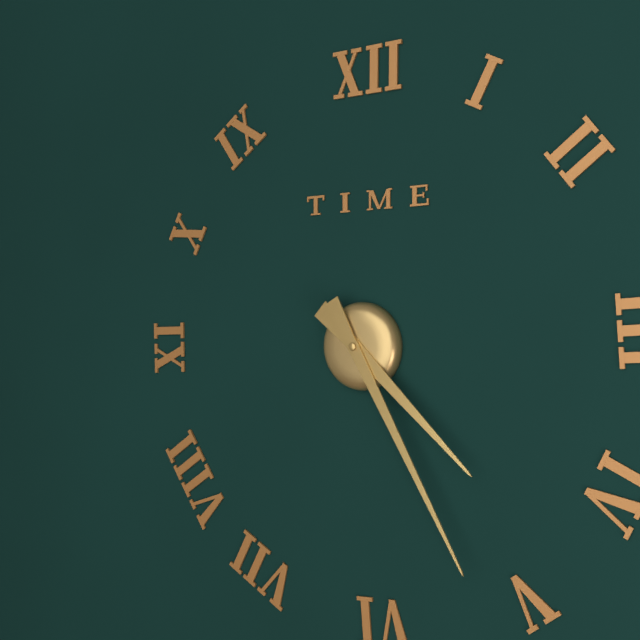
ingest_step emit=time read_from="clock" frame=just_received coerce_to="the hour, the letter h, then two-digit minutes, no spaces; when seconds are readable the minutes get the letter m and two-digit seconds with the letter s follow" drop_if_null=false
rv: 4h25
